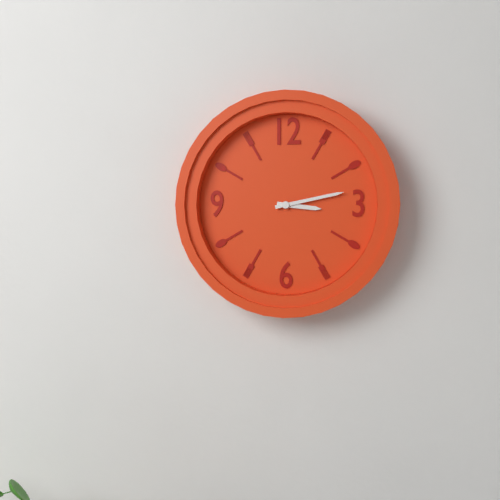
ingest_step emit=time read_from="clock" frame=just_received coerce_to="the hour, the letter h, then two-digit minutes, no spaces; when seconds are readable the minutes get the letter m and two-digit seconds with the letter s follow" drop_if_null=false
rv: 3h13
